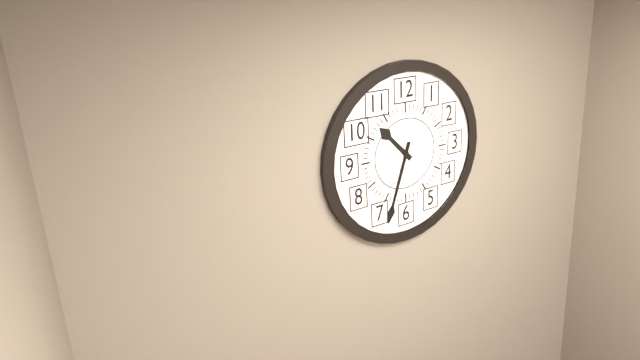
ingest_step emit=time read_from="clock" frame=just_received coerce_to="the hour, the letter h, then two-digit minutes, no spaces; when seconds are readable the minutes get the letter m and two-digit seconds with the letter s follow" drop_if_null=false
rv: 10h33
